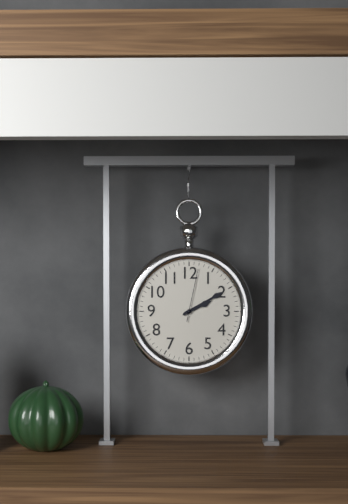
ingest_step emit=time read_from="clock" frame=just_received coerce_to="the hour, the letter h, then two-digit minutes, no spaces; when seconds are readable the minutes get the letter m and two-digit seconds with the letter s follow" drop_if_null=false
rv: 2h10m02s
